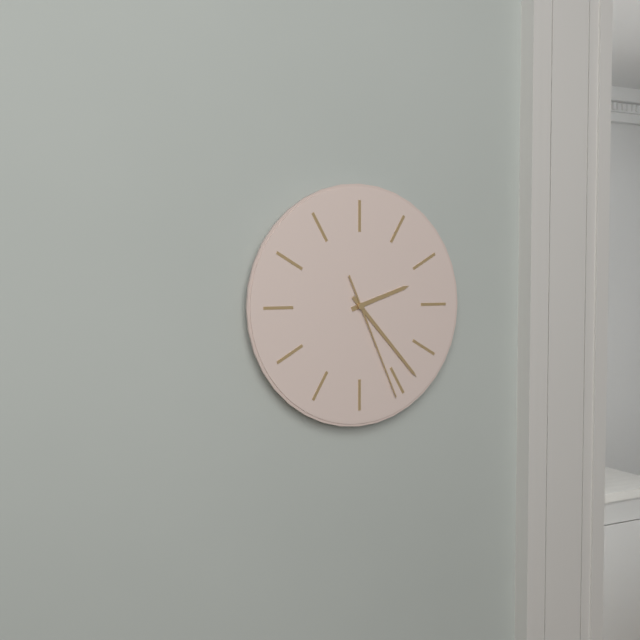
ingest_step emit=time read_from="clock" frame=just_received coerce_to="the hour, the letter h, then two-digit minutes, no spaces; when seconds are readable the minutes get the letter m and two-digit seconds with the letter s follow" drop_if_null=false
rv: 2h23m26s
